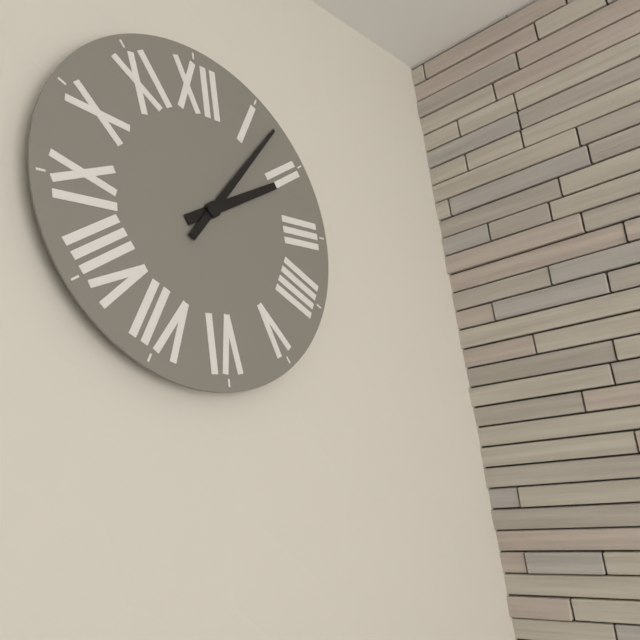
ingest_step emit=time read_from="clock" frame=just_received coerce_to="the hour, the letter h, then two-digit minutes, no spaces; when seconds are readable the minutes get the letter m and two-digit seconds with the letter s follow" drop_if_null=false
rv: 2h07
